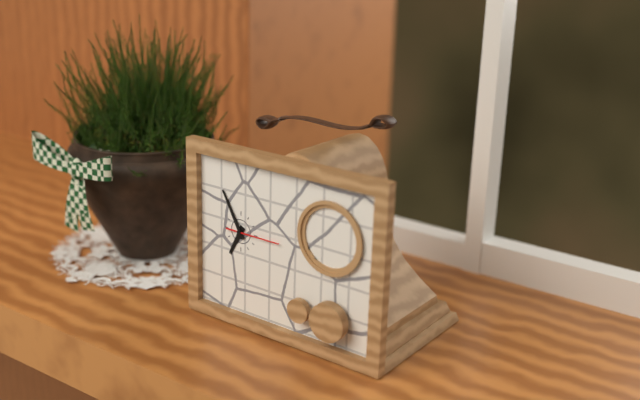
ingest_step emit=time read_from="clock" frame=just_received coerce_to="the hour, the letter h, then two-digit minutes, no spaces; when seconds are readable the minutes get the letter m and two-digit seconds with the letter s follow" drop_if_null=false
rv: 6h55m15s
